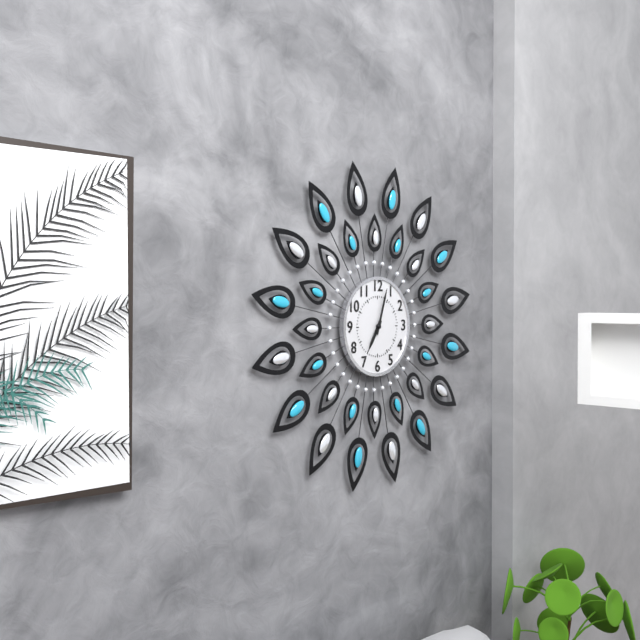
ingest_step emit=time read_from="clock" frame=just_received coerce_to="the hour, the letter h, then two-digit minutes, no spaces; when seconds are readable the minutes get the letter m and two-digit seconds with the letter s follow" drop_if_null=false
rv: 7h03
